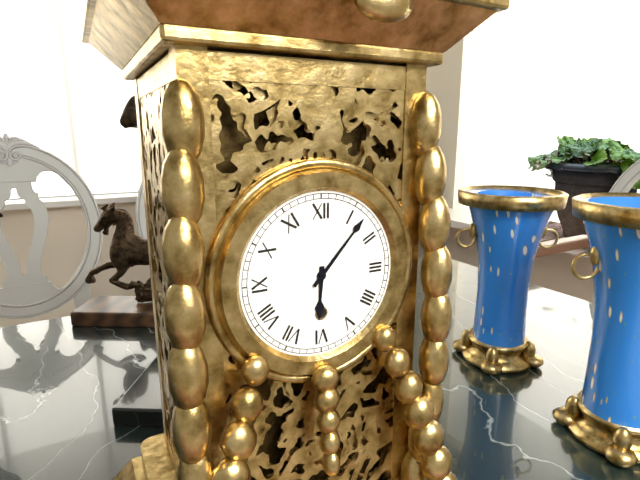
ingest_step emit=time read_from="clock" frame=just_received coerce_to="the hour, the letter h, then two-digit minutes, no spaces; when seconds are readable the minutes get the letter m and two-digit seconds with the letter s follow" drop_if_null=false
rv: 6h07
